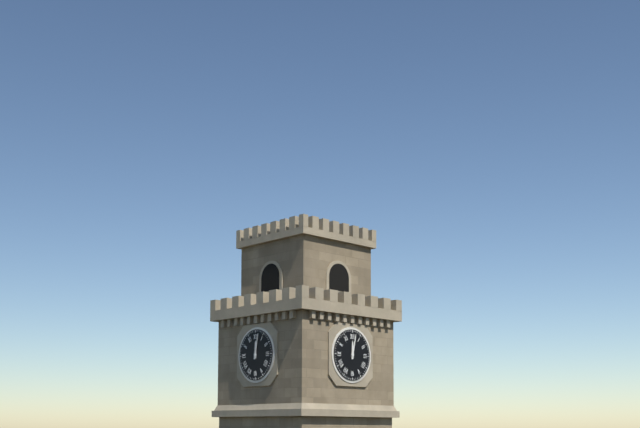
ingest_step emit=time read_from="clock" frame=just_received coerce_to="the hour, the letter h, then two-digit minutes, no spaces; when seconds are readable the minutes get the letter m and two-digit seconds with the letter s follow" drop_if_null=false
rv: 12h02
